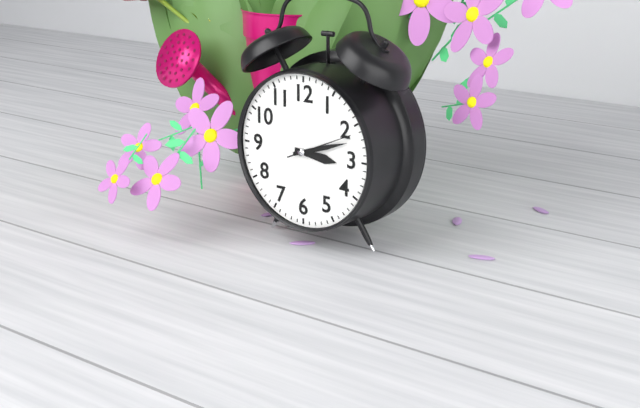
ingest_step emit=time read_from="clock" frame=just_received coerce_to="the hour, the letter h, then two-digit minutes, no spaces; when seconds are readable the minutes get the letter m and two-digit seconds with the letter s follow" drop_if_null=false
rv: 3h12m11s
